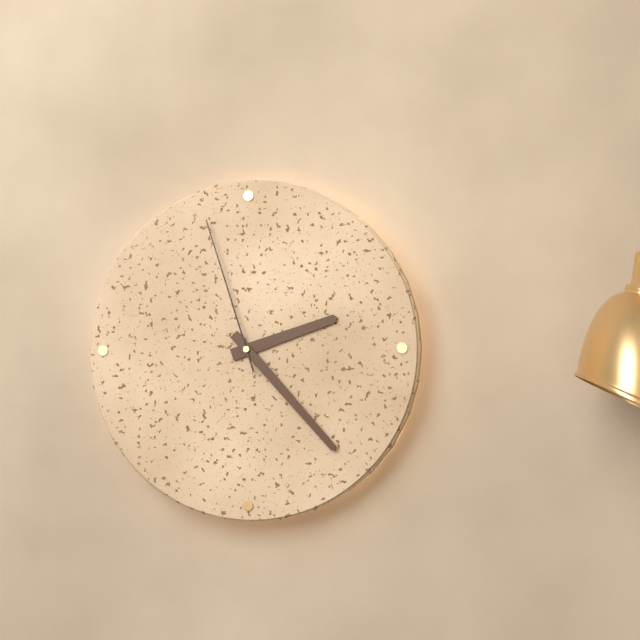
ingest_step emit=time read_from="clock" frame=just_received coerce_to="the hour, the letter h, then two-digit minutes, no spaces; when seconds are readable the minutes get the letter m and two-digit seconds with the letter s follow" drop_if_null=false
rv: 2h23m57s
